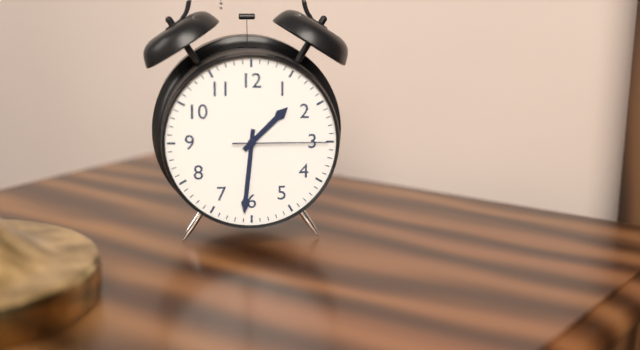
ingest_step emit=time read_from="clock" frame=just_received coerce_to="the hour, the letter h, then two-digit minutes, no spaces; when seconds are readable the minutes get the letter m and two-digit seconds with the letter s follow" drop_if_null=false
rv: 1h31m15s
